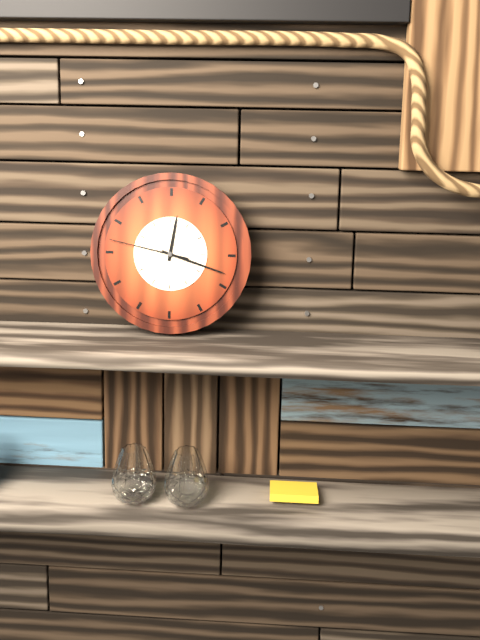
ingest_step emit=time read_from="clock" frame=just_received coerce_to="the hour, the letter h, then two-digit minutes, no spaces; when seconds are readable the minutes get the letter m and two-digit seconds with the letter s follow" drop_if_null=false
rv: 12h18m47s
